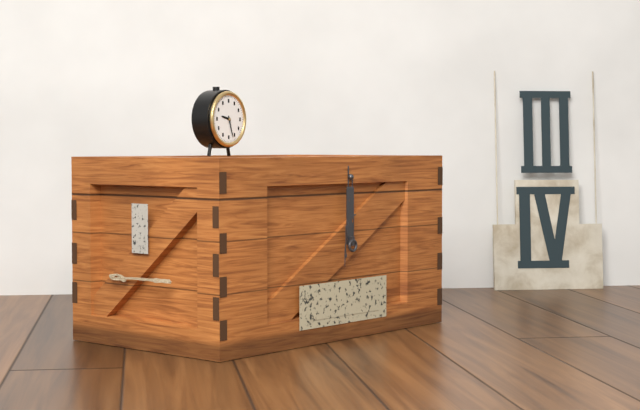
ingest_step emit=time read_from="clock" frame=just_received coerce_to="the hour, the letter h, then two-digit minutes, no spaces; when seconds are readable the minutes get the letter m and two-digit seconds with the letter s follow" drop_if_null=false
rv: 9h27
